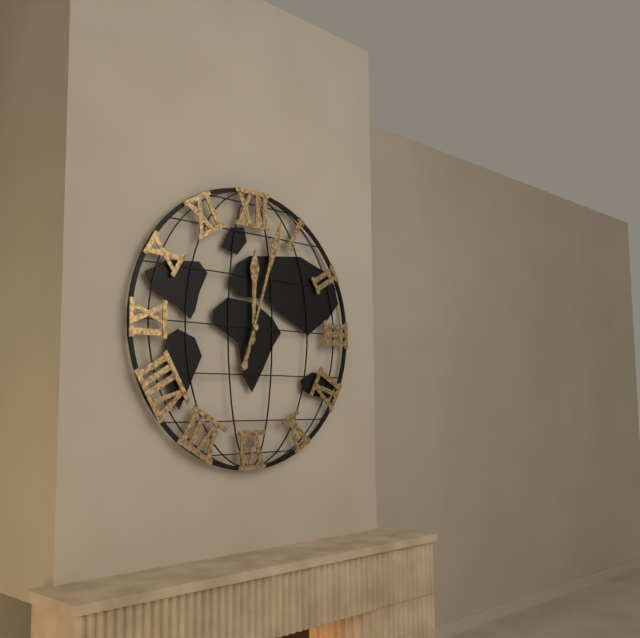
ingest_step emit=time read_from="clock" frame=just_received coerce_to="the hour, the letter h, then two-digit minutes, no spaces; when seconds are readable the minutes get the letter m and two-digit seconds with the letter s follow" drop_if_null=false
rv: 12h03
